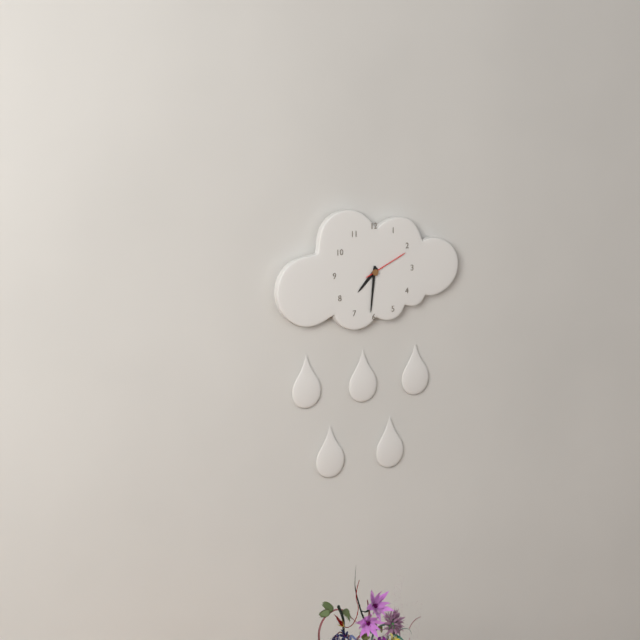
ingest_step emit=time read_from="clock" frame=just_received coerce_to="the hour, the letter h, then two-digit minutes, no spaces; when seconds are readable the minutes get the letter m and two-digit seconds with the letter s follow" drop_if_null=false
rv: 7h31
